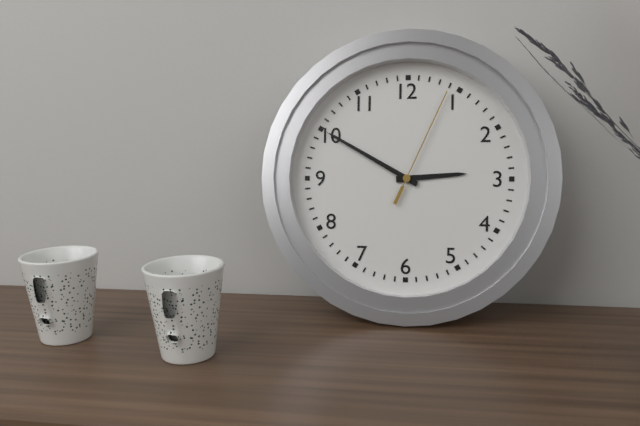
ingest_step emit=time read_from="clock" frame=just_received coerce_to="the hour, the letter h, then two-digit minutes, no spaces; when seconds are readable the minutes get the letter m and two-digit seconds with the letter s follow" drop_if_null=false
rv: 2h50m04s
